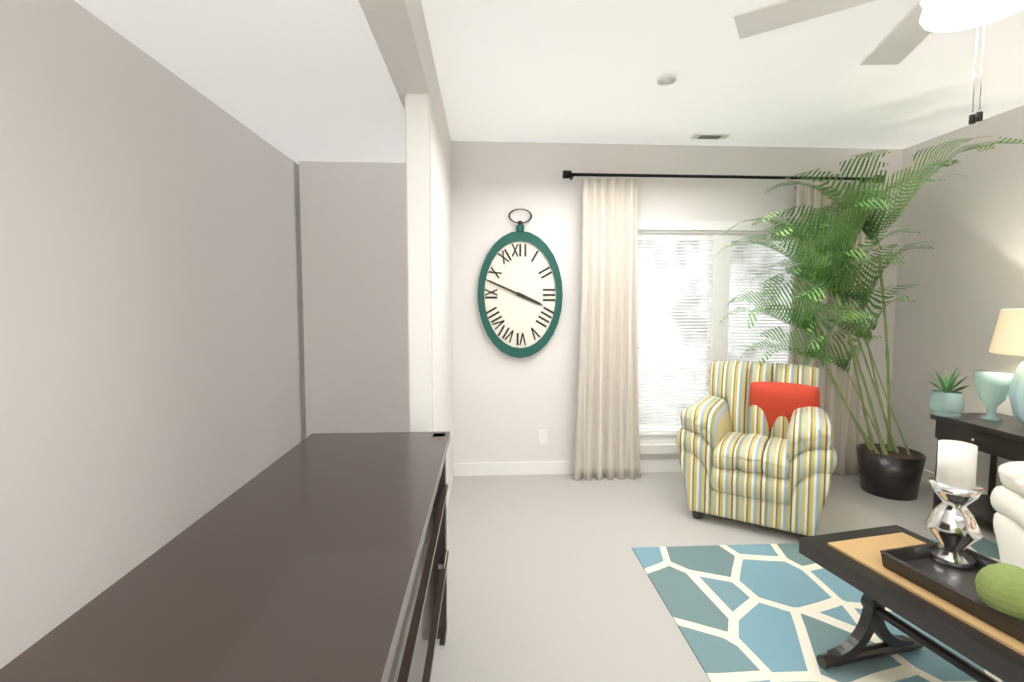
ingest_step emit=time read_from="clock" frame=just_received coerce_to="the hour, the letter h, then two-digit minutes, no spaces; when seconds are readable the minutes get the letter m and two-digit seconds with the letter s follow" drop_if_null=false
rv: 3h49
